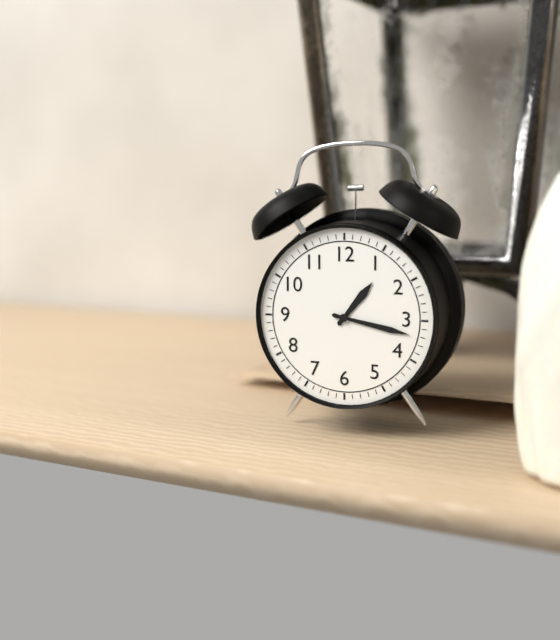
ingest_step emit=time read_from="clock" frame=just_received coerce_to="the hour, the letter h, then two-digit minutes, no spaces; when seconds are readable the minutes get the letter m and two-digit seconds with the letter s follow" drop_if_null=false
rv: 1h17
